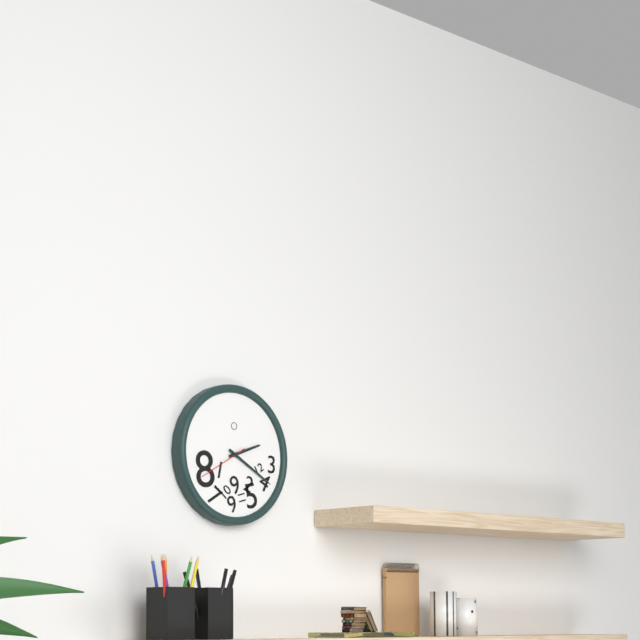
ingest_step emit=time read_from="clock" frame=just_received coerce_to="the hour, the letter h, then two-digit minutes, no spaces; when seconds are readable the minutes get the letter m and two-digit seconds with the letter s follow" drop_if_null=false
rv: 2h20m40s
